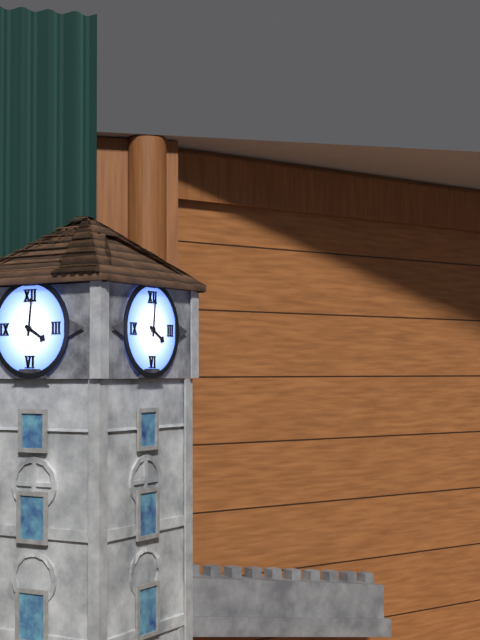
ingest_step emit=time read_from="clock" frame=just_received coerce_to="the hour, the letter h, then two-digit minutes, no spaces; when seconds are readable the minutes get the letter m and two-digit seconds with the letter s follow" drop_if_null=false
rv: 4h01
